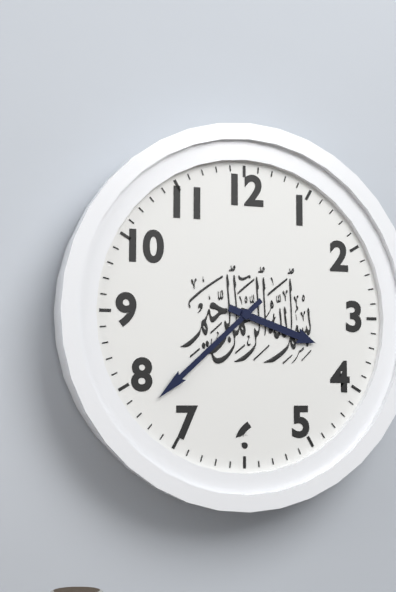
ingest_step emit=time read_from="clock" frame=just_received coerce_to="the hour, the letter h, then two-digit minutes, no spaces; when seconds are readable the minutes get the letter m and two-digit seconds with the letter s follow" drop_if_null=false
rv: 3h38
